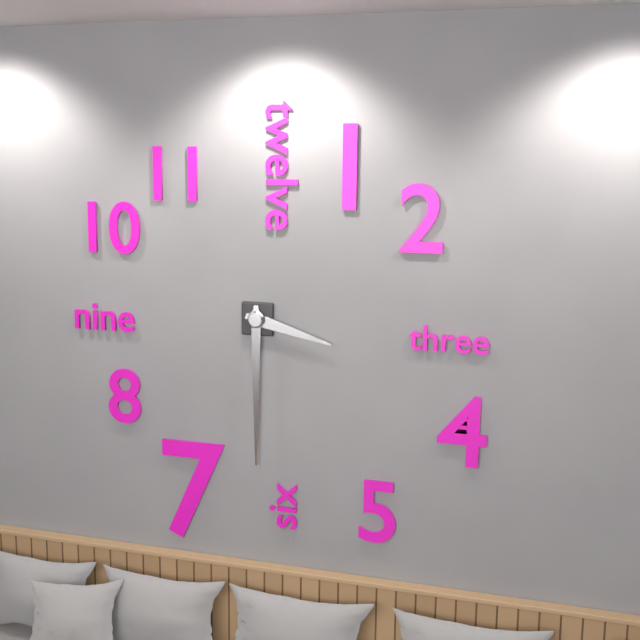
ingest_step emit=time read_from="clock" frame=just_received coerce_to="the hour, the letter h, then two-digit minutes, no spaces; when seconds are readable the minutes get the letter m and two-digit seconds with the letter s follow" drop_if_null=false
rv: 3h30
